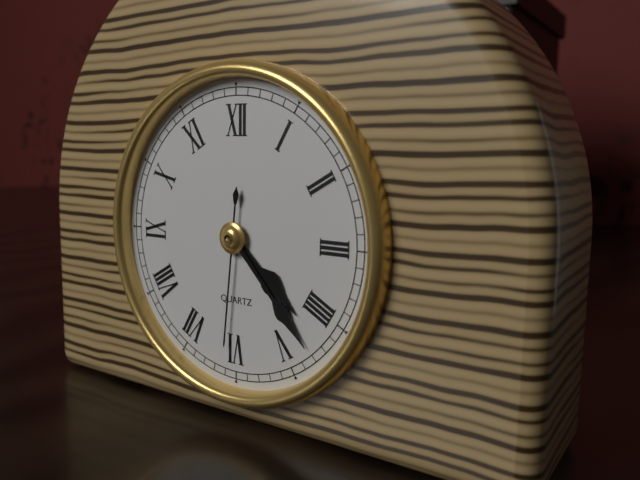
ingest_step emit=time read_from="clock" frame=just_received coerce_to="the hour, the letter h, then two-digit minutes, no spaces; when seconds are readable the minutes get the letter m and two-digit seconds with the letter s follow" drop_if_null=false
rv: 4h23m31s
